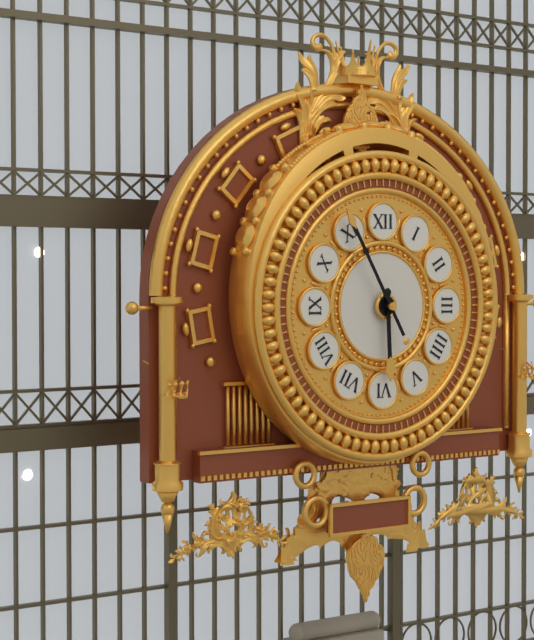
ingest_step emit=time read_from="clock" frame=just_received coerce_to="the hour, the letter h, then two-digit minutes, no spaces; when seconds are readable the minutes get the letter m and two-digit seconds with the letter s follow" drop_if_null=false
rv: 5h55
